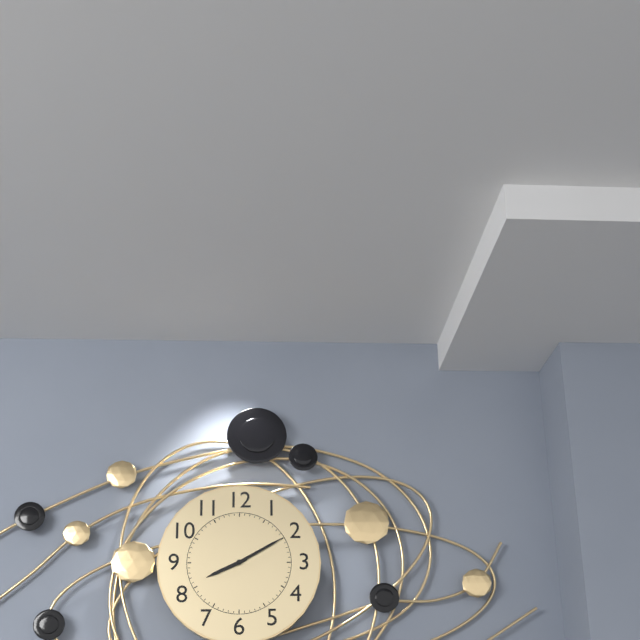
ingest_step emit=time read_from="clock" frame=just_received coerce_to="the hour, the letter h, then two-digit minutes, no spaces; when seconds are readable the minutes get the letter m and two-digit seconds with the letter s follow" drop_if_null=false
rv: 8h10
